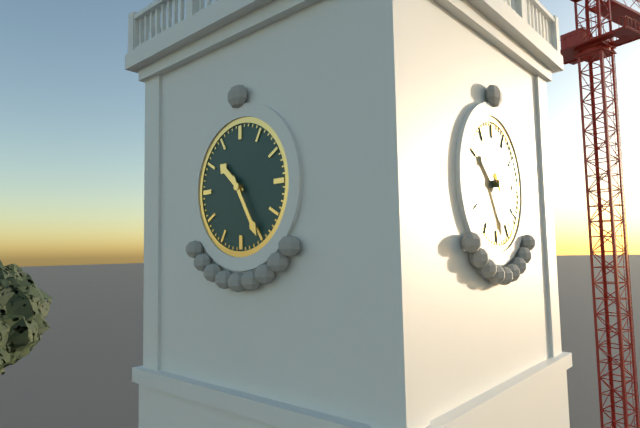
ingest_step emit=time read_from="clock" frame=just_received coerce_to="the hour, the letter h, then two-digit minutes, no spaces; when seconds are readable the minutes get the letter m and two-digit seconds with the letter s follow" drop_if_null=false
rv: 10h25
